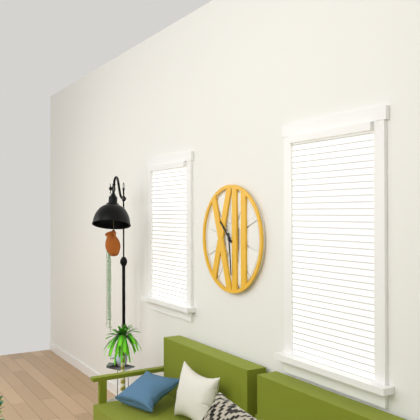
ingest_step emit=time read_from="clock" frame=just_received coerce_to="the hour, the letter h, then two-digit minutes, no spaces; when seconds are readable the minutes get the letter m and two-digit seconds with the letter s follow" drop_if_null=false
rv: 10h29
